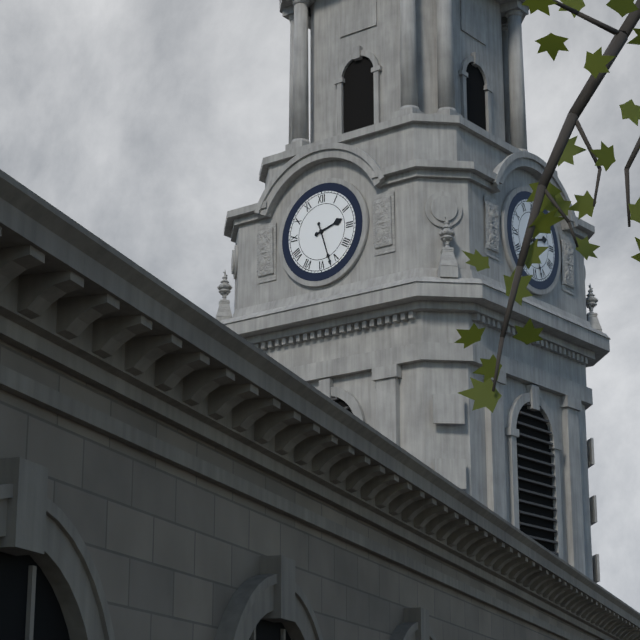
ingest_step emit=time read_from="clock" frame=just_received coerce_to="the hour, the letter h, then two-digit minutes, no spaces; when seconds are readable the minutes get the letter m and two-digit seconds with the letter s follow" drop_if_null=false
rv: 2h27
